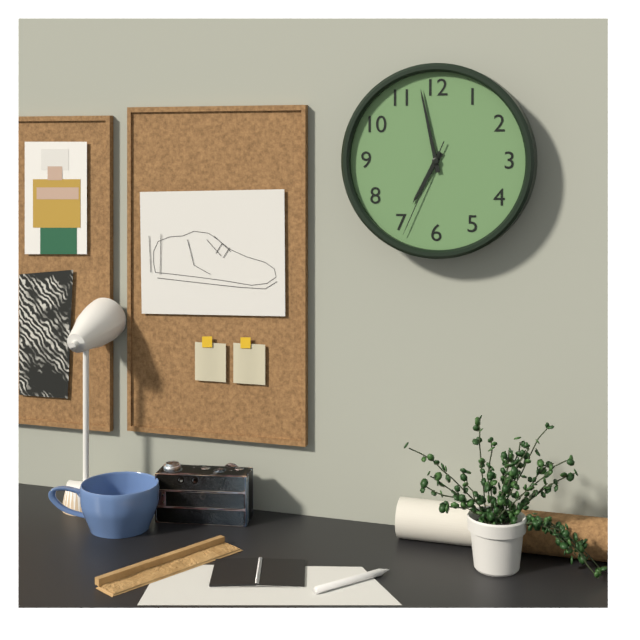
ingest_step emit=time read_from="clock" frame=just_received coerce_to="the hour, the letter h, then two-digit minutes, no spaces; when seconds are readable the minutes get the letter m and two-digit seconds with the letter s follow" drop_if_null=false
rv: 6h58m34s
